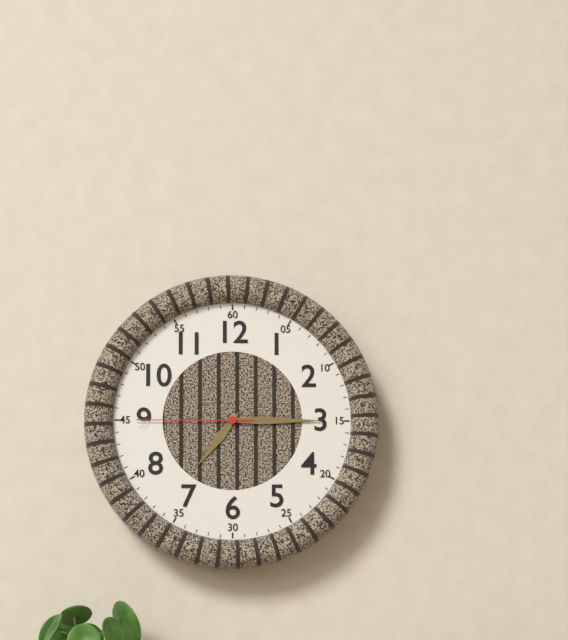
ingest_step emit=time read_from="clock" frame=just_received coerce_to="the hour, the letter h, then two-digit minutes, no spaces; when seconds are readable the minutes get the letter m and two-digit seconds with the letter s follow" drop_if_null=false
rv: 7h15m45s
